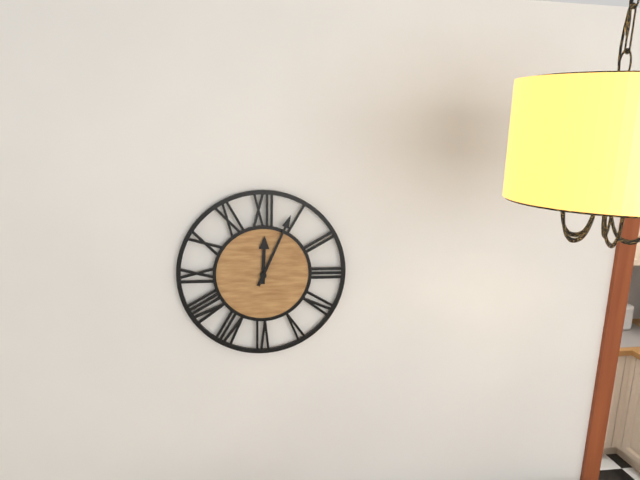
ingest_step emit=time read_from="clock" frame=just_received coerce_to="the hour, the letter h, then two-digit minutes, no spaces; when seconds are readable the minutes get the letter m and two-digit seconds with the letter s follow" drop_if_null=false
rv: 12h04
